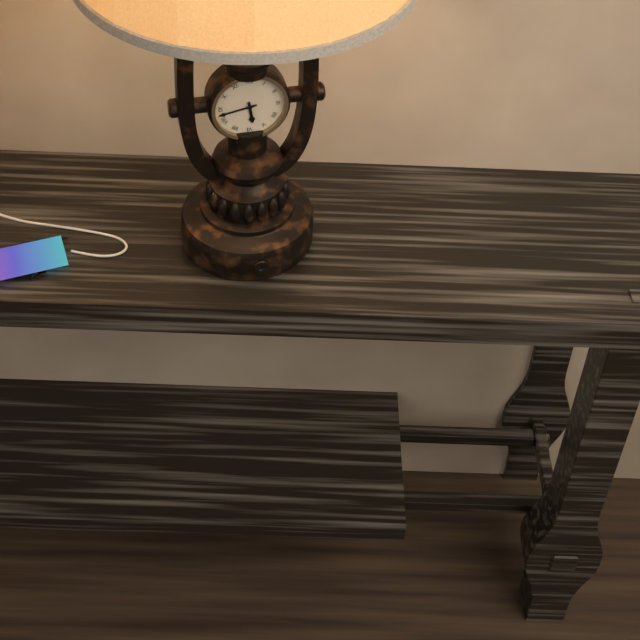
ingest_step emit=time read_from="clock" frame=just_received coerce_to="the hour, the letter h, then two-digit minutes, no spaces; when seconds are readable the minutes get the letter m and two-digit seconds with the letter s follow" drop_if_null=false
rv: 5h43
